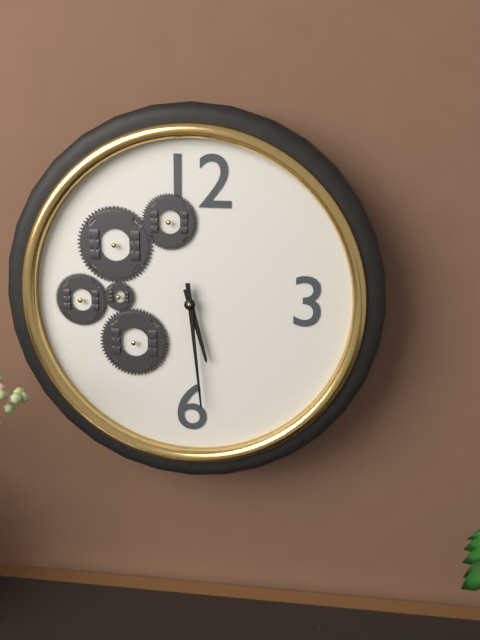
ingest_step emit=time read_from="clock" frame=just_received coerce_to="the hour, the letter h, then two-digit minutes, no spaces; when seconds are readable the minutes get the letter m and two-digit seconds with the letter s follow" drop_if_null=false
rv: 5h29
